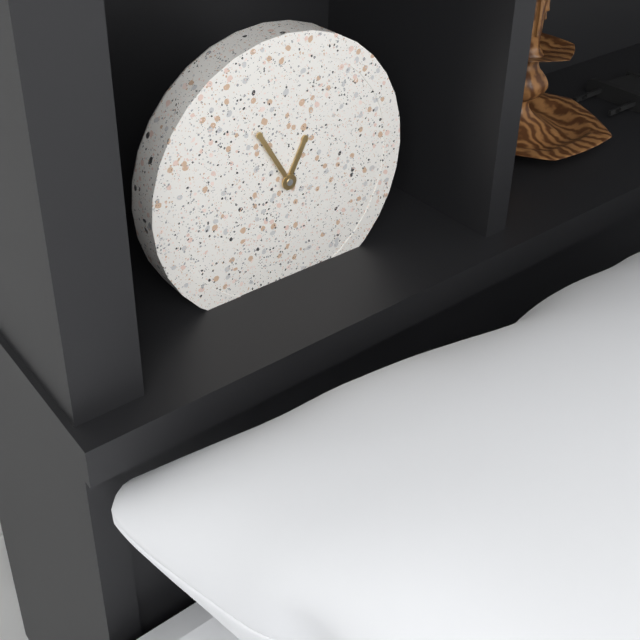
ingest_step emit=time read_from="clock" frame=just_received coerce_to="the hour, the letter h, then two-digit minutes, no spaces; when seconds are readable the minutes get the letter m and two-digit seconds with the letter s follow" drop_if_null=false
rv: 12h55
